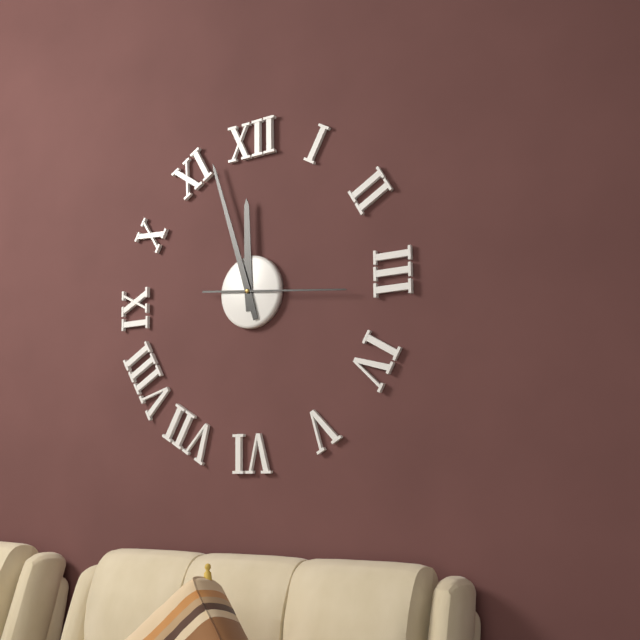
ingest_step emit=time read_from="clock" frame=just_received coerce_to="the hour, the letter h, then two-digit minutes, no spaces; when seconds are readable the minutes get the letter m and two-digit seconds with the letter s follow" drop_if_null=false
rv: 11h57m16s
